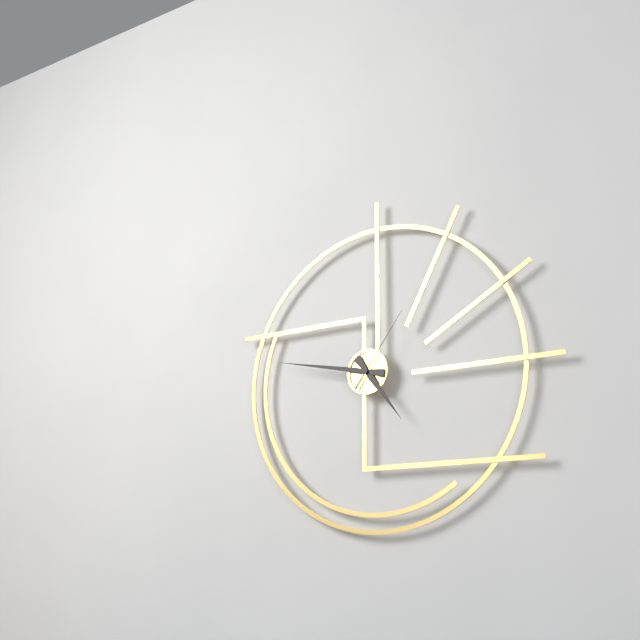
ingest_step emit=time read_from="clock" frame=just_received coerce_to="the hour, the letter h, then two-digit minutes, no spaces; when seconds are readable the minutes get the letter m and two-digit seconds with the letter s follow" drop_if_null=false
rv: 4h47m06s
